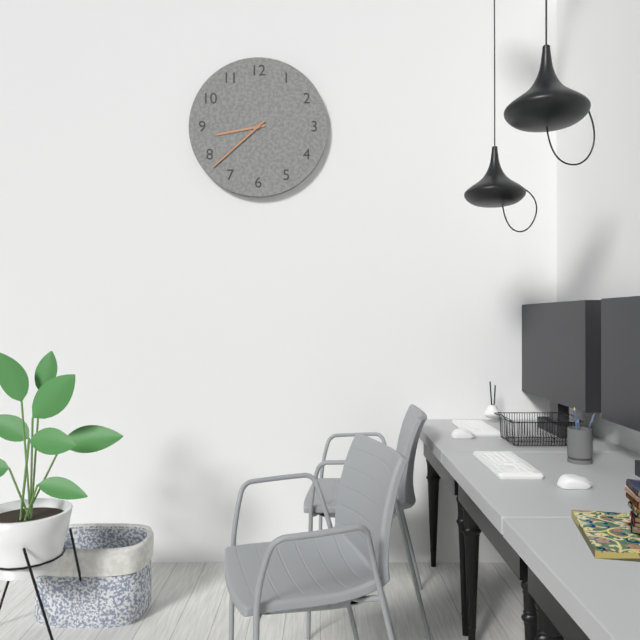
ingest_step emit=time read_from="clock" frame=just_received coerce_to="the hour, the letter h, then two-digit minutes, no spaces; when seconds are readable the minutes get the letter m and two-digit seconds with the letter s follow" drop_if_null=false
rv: 8h38
